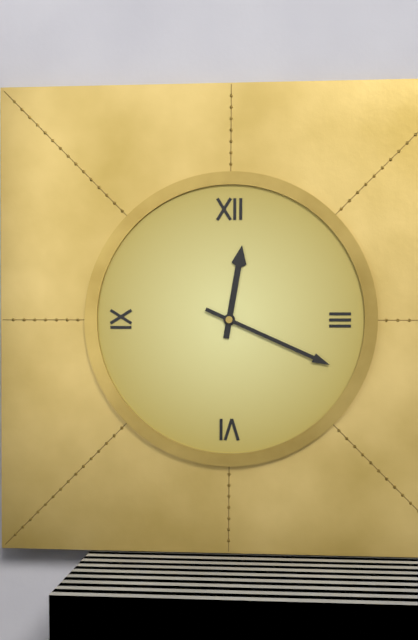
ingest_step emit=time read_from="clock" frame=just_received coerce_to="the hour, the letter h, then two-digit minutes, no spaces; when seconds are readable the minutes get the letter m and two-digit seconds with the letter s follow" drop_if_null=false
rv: 12h19
